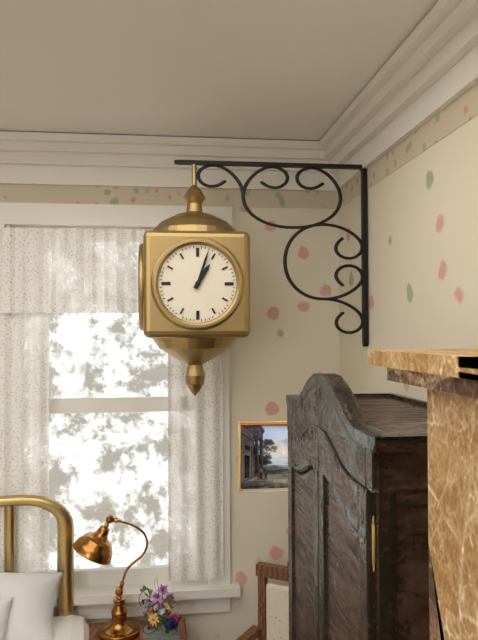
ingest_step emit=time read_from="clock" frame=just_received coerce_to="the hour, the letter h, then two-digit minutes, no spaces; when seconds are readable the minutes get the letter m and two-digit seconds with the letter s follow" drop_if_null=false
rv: 1h03
